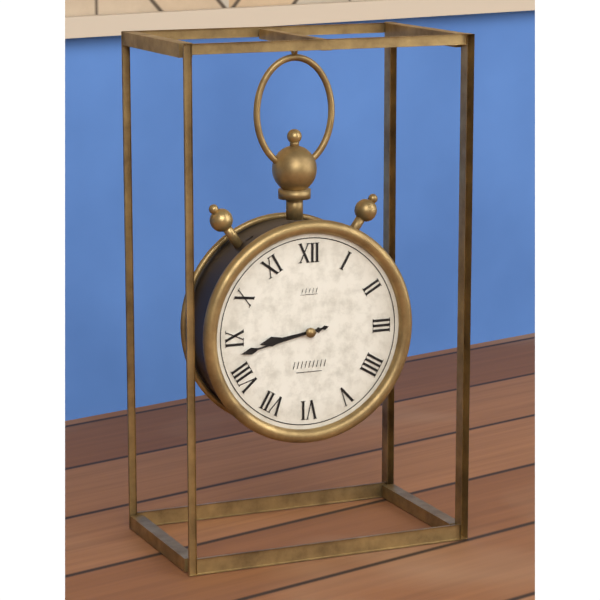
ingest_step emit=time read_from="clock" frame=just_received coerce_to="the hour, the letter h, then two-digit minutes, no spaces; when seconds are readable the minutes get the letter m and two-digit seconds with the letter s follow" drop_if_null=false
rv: 8h43
